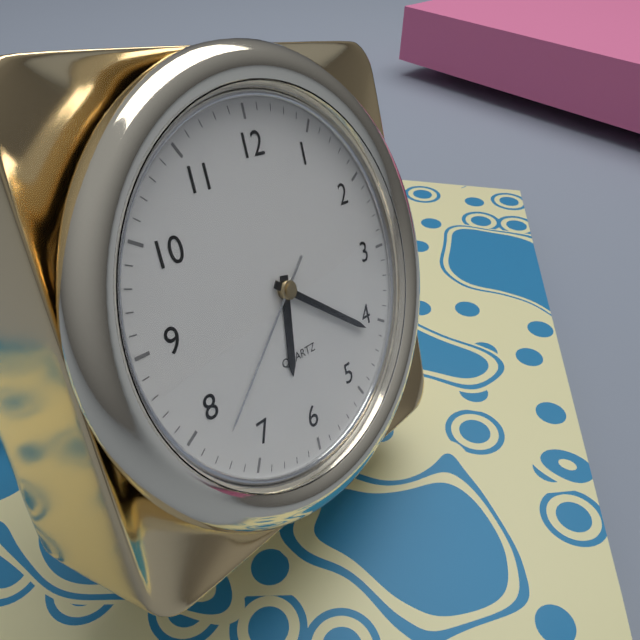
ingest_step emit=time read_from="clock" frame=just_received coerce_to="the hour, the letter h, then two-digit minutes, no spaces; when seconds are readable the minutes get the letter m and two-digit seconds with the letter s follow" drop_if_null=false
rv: 6h21m38s
